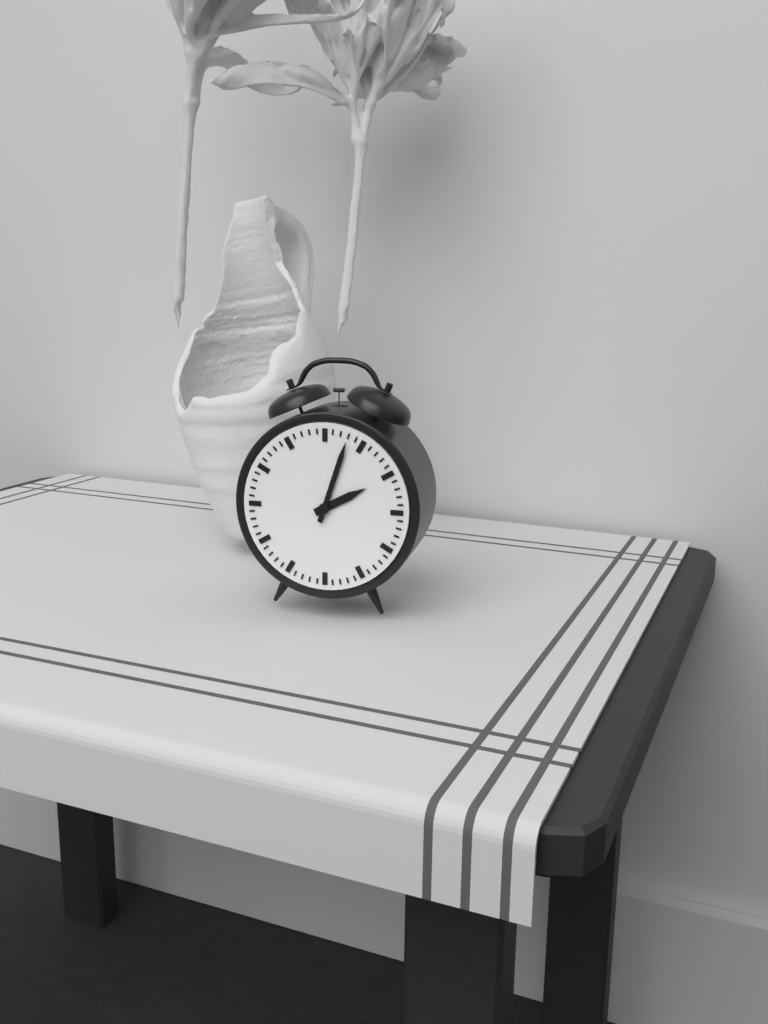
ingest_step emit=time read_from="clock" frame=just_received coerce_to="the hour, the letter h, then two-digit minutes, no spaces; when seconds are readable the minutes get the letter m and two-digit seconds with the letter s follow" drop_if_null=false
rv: 2h03
